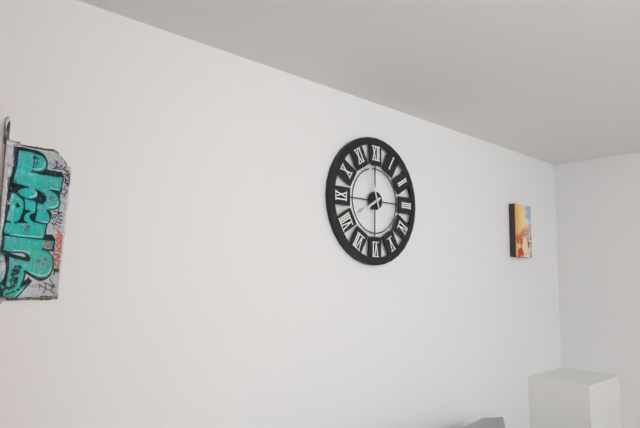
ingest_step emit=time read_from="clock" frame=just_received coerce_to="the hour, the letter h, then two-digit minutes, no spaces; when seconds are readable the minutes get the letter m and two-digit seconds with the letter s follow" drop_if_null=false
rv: 7h57
